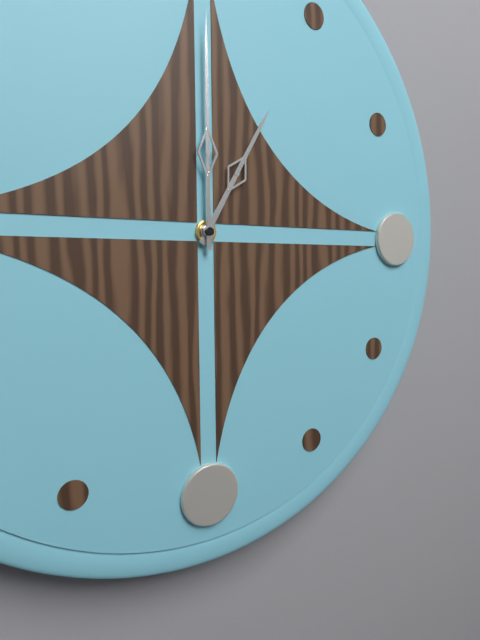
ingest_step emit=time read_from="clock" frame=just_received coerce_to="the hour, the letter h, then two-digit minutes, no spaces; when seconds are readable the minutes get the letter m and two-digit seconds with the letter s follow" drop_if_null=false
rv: 1h00
